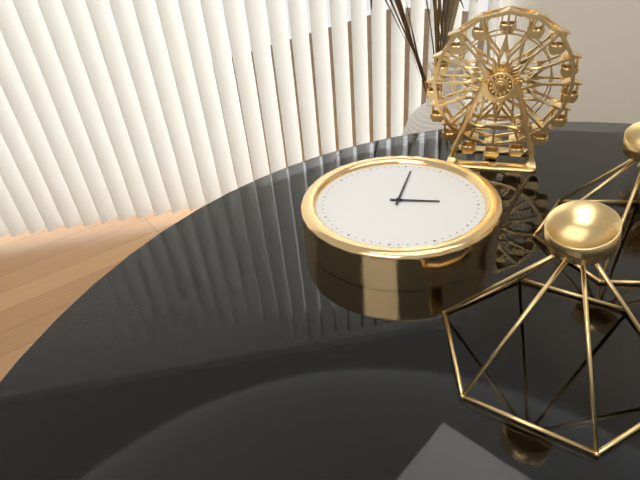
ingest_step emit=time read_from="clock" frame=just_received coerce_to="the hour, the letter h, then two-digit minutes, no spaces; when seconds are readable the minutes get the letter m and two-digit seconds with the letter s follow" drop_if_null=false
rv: 1h56
